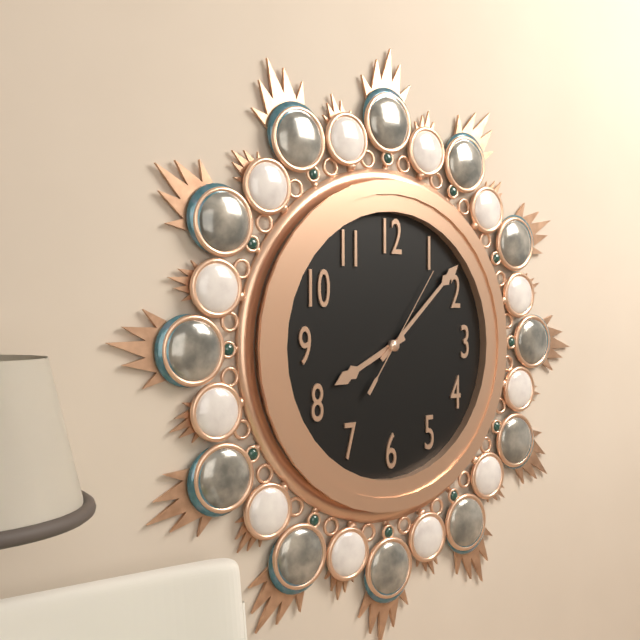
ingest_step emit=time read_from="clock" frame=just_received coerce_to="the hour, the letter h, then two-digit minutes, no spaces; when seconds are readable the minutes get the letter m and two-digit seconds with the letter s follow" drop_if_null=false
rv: 8h08m06s
